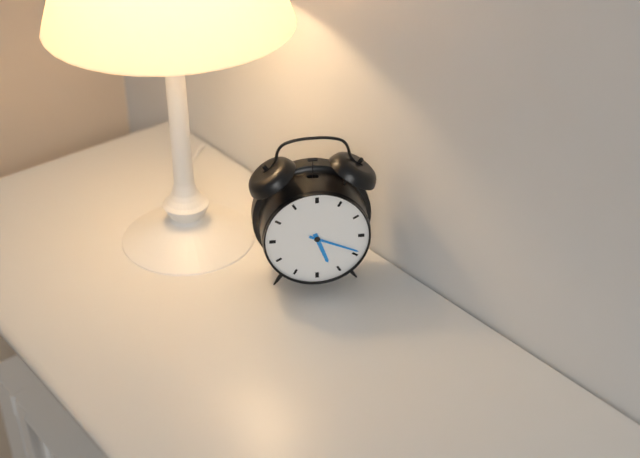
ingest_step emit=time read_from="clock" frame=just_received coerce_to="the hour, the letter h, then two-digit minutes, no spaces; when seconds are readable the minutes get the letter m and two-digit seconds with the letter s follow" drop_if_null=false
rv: 5h19
